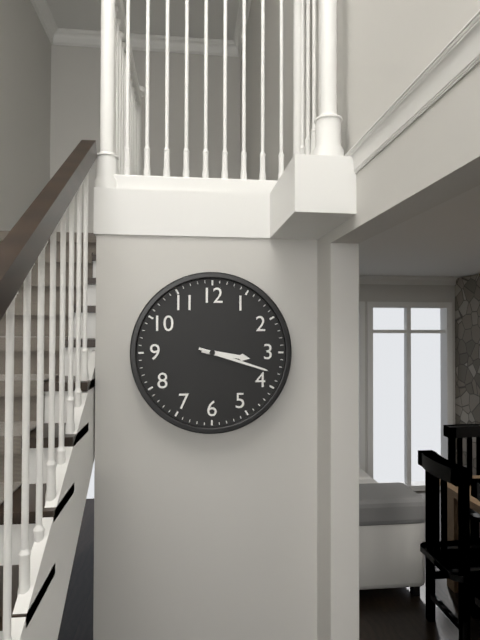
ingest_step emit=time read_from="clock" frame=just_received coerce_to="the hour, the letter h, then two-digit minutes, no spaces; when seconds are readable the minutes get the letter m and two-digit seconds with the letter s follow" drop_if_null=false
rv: 3h18
